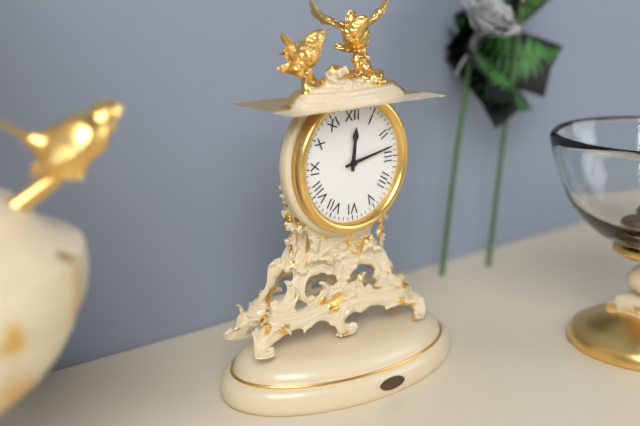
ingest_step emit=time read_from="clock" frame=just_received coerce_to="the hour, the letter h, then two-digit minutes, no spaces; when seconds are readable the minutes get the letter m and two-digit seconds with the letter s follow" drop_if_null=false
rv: 12h13
